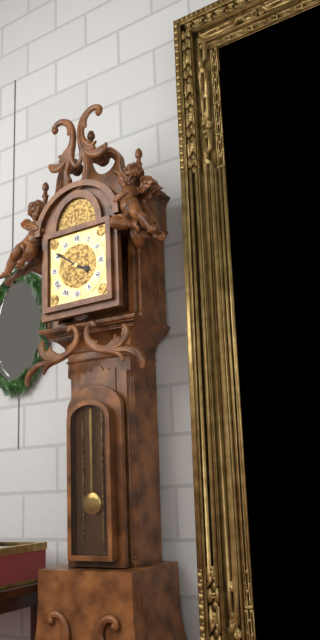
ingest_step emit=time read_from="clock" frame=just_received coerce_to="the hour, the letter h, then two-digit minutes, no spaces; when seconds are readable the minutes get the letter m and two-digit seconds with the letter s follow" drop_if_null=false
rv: 3h51
